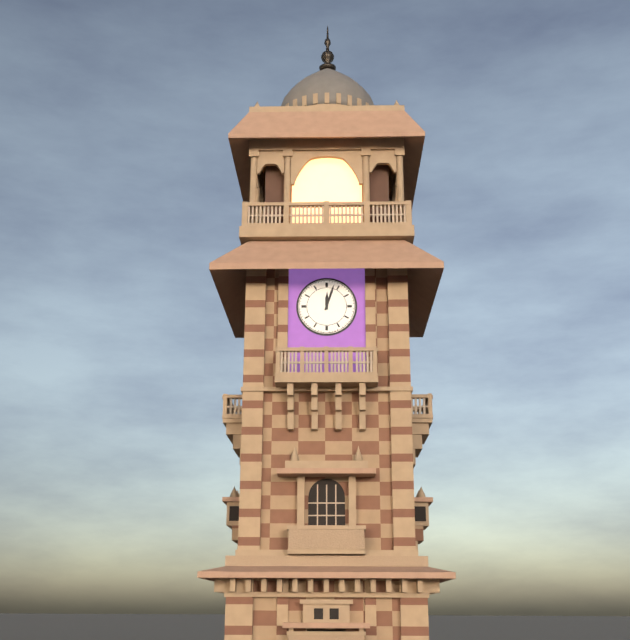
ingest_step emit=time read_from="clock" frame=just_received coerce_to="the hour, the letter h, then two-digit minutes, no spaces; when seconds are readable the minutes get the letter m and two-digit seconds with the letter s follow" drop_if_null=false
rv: 12h03
